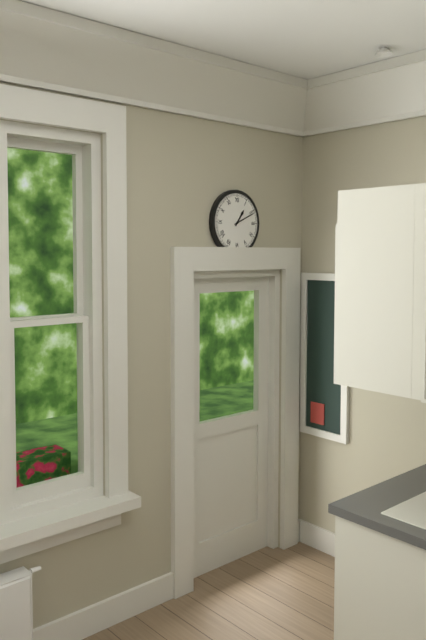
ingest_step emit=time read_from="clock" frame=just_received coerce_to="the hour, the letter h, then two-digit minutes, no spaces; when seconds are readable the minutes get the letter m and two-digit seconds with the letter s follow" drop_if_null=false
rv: 1h11
